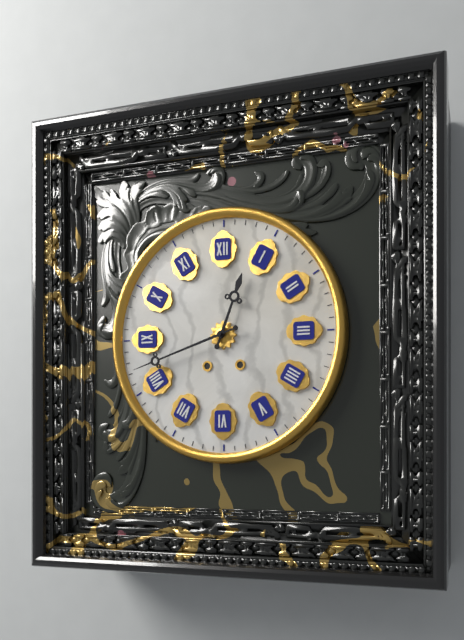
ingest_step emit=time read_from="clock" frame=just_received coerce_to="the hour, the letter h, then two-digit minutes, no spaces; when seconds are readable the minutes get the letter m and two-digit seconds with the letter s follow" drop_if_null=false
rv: 12h42
